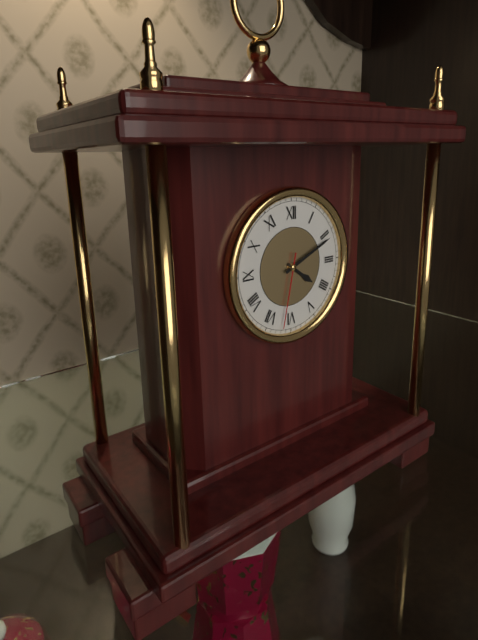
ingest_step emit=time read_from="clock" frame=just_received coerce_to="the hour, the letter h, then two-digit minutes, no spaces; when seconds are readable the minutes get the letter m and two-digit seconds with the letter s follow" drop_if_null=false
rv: 4h11m32s
